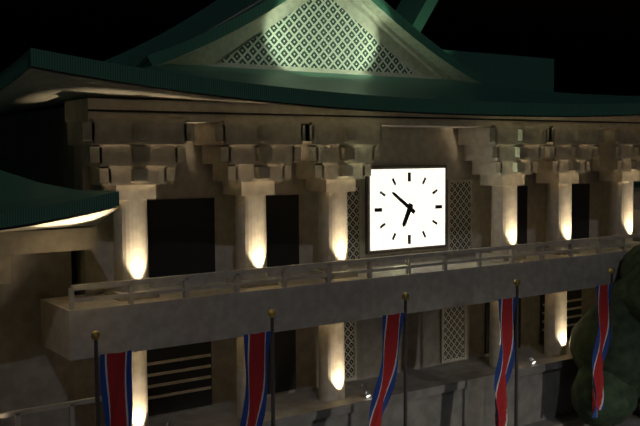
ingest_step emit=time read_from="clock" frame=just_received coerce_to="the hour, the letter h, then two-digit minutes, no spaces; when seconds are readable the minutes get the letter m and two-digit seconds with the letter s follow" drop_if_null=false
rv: 6h51
